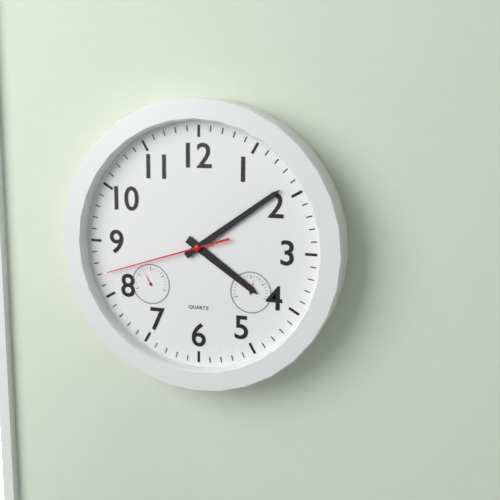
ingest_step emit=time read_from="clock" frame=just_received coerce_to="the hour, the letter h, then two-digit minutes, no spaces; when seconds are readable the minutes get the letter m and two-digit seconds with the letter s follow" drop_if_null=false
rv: 4h09m42s
